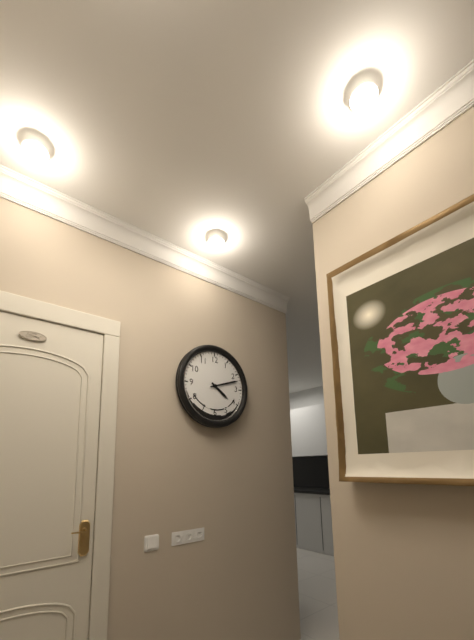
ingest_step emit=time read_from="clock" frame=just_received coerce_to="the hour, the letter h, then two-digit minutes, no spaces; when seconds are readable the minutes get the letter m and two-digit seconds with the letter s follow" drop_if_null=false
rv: 4h12
